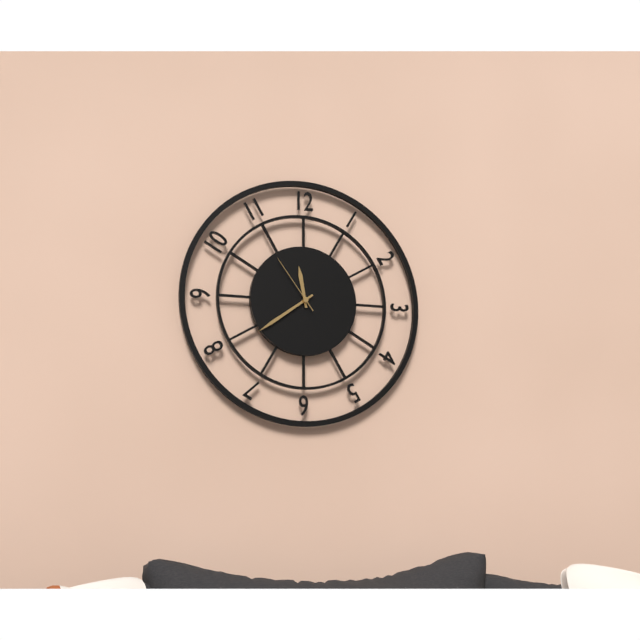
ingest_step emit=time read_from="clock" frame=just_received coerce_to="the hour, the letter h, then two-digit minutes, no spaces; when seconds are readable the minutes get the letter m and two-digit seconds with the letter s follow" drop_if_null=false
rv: 11h39m54s
